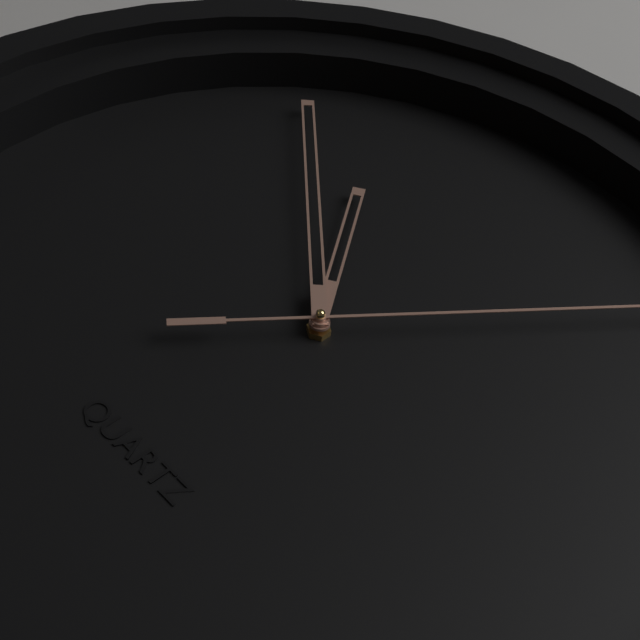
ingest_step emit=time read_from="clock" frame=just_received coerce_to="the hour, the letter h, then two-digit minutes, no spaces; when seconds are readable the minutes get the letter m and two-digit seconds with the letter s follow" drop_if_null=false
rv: 10h52
